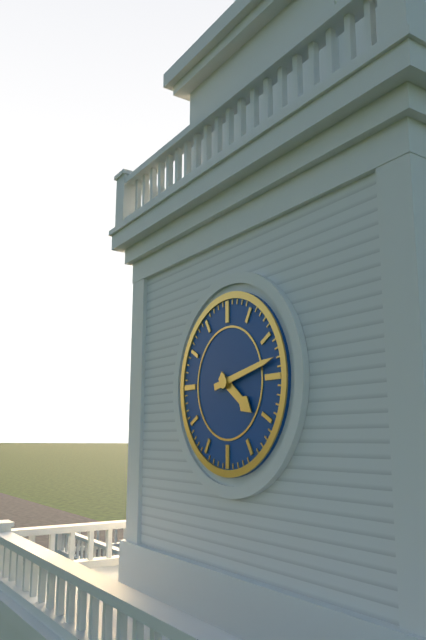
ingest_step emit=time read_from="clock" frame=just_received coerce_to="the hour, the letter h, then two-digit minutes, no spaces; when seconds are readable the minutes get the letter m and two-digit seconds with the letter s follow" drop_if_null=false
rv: 4h13
